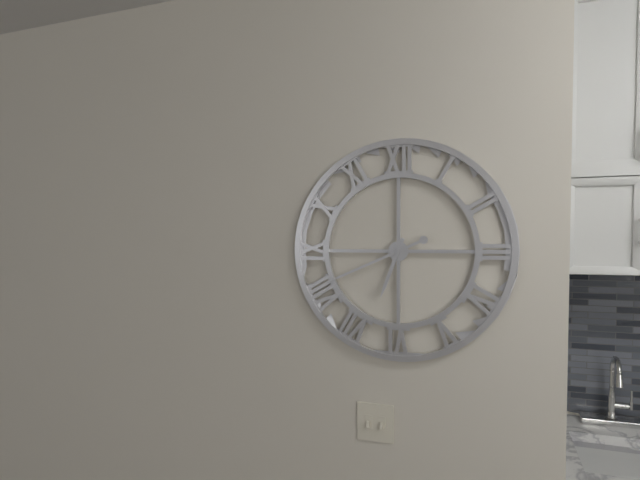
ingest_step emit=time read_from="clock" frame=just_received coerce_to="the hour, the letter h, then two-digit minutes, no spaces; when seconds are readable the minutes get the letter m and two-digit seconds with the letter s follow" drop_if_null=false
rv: 6h41
